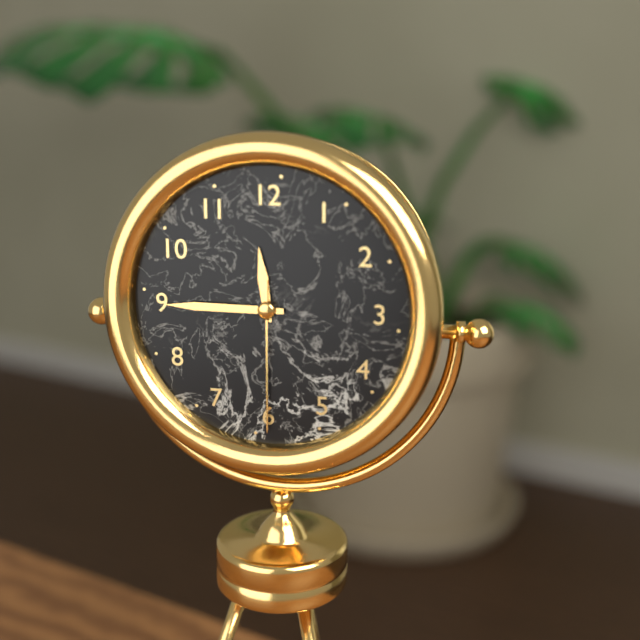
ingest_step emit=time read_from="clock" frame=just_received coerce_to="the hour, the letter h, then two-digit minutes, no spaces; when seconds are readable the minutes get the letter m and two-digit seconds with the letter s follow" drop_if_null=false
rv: 11h45m30s
